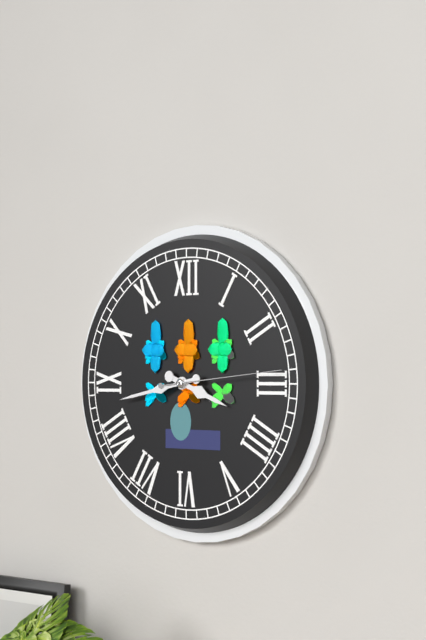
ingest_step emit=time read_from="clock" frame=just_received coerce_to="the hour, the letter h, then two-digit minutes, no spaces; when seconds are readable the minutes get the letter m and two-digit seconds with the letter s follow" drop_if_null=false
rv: 3h43m14s
